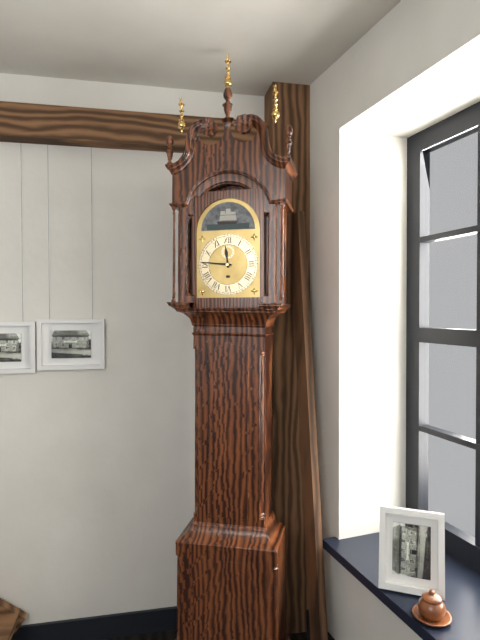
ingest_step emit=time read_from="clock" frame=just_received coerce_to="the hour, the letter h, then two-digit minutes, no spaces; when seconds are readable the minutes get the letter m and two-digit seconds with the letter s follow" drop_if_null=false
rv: 11h46
